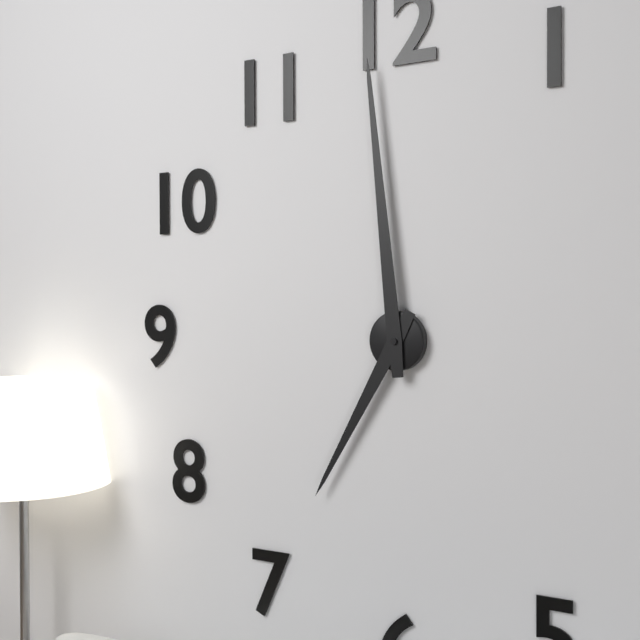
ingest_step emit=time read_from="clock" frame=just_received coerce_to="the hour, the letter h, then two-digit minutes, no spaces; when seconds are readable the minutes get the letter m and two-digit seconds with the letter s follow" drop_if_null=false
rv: 6h59
